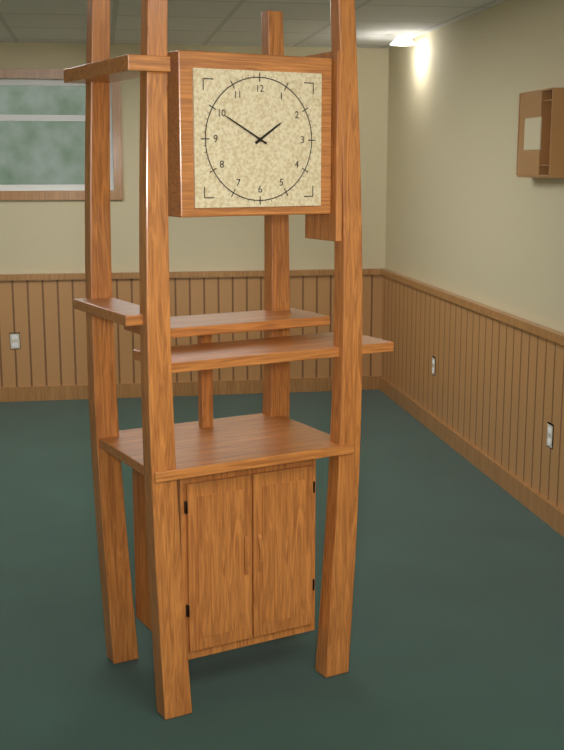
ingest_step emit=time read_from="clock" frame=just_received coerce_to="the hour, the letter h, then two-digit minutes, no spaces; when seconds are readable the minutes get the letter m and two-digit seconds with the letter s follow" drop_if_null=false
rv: 1h50
